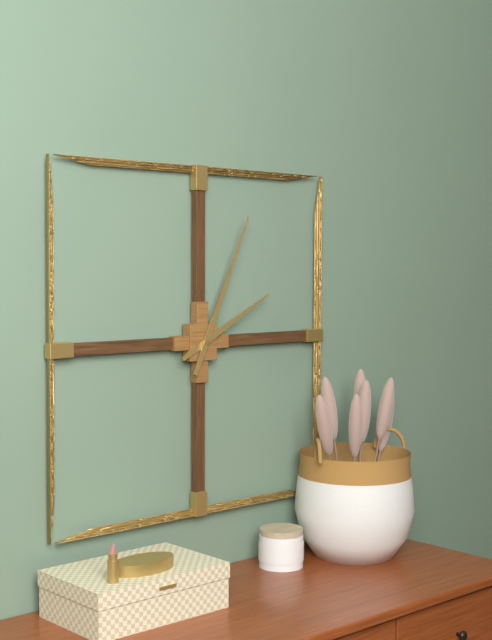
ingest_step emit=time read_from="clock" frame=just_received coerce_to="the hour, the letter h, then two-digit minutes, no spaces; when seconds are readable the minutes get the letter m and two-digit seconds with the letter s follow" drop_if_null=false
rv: 2h04
